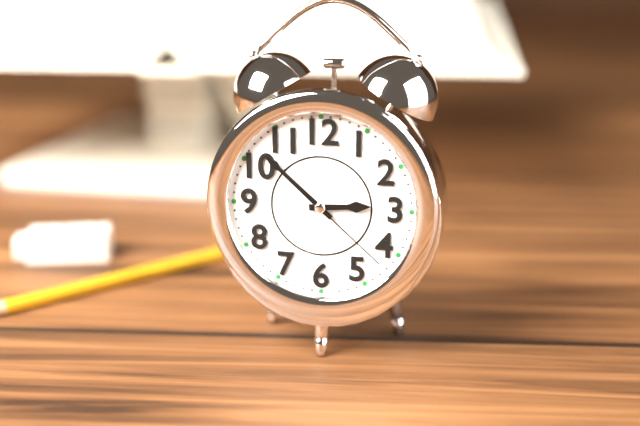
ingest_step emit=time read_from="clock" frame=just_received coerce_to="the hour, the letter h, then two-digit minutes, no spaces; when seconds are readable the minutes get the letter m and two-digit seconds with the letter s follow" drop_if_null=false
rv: 2h52m22s
